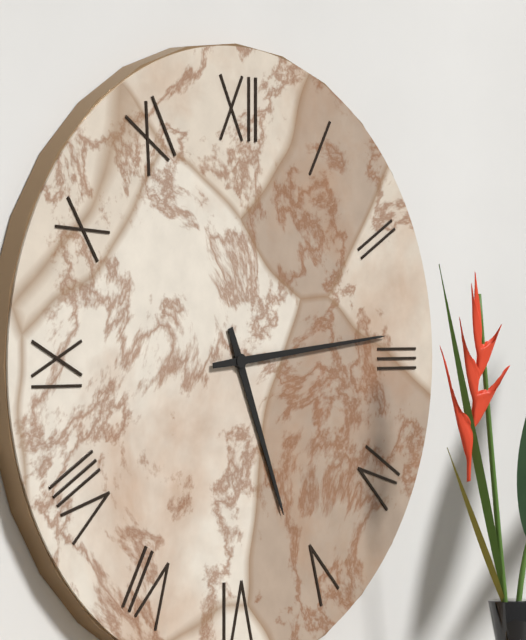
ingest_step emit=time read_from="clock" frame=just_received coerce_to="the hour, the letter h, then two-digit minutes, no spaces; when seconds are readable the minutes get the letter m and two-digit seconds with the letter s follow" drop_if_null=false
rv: 5h14
